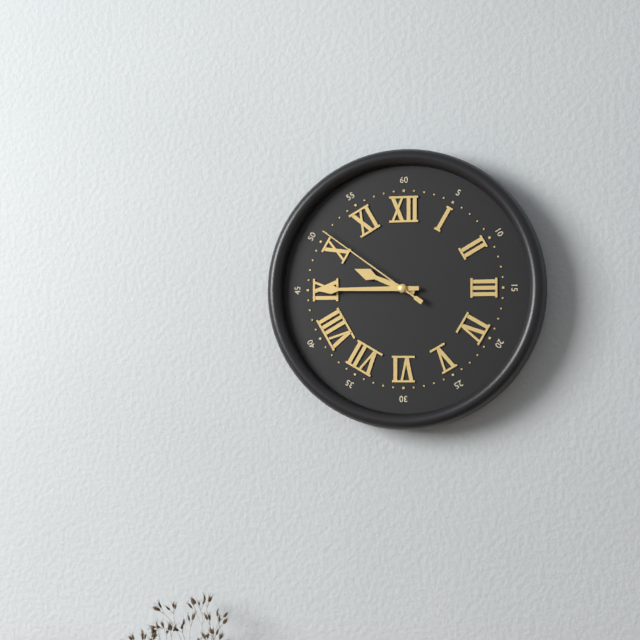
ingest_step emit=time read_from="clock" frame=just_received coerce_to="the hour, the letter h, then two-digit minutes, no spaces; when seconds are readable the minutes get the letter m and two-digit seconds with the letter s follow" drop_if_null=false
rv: 9h45m51s
